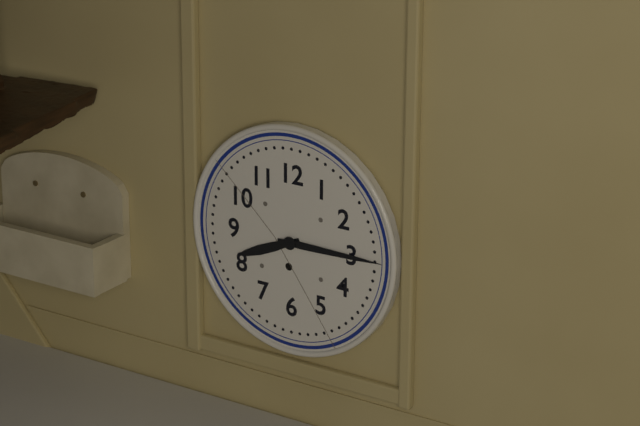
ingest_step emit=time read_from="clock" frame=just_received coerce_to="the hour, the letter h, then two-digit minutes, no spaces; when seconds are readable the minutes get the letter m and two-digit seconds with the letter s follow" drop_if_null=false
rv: 8h15
